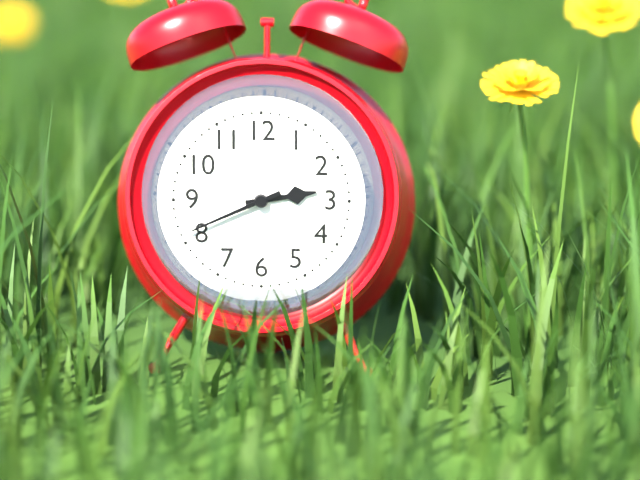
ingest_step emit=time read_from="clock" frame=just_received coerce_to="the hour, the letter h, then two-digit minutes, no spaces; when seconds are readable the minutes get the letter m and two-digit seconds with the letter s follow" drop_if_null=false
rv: 2h41
